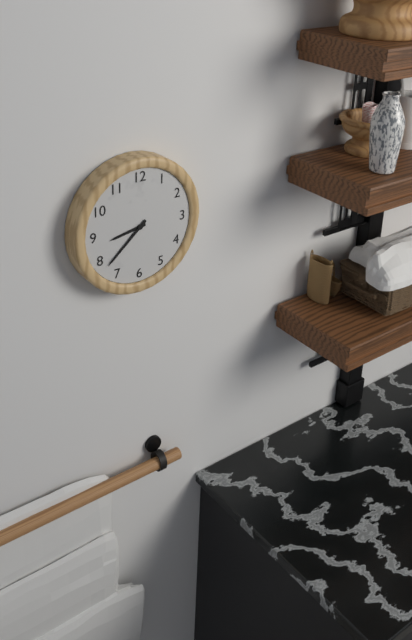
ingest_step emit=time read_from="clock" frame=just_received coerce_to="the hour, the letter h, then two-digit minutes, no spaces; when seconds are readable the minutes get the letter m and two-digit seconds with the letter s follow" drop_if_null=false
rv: 8h38
